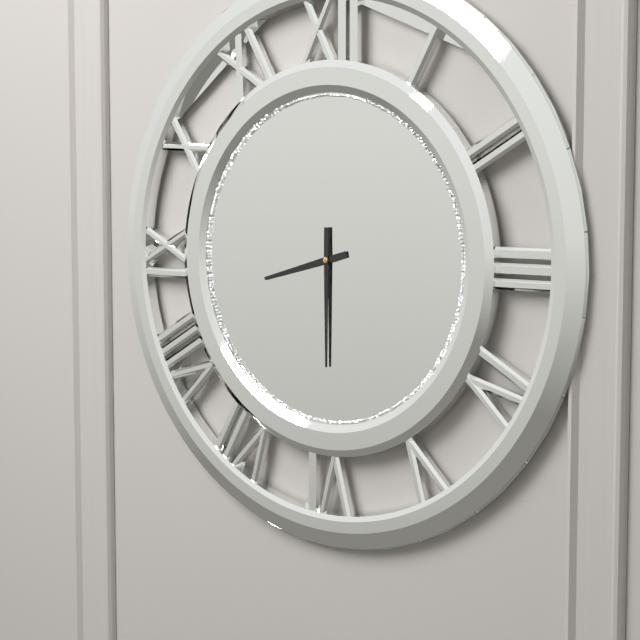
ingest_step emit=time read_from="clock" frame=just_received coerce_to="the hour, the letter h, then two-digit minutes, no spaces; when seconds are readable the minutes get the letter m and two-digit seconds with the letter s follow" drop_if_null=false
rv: 8h30
